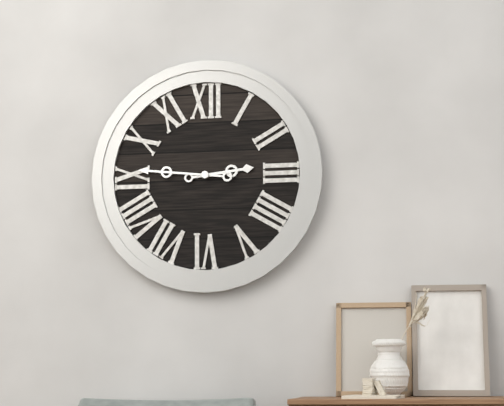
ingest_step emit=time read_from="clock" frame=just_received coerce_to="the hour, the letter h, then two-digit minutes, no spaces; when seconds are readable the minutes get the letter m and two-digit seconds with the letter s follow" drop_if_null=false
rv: 2h46
